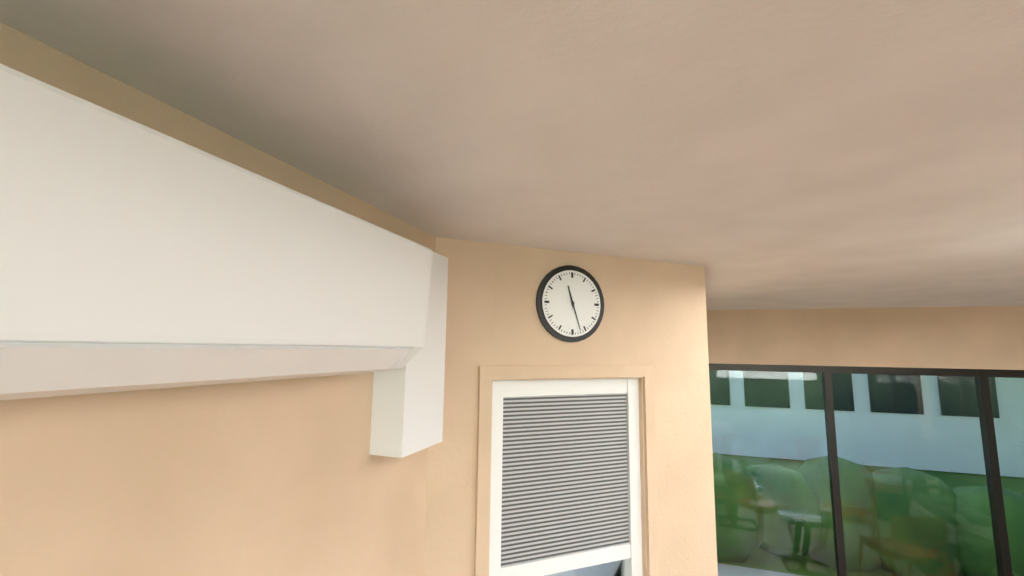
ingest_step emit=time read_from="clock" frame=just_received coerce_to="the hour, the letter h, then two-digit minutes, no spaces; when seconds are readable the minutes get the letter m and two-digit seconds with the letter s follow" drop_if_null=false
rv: 11h27
